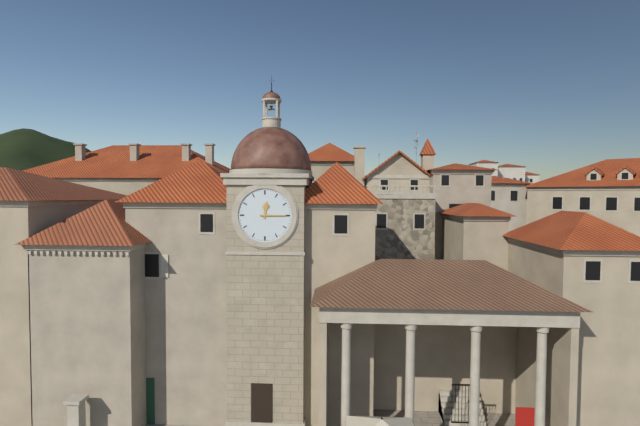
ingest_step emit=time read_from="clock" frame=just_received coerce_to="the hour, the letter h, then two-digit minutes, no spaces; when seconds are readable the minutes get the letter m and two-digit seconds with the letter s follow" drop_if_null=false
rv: 12h15
